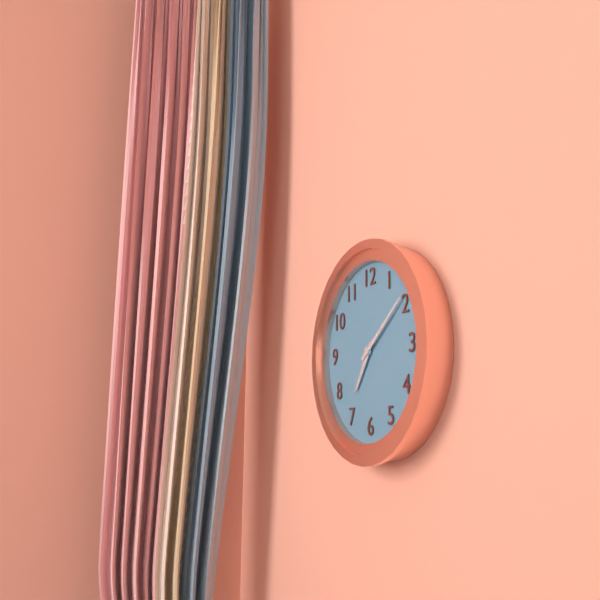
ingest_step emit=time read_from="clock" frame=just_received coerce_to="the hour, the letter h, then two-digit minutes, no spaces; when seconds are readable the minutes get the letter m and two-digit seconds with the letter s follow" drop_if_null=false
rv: 7h09
